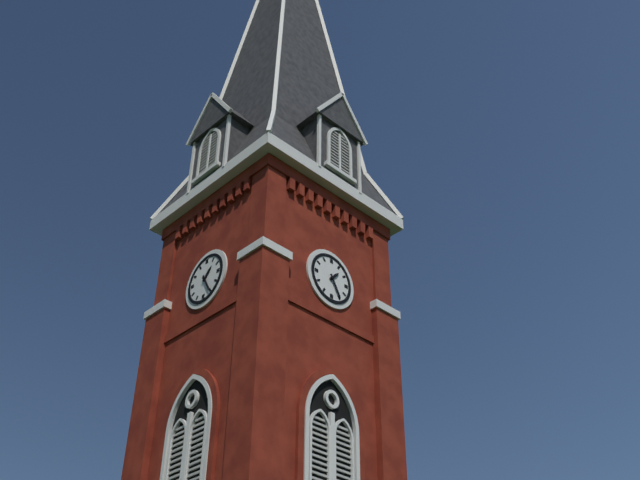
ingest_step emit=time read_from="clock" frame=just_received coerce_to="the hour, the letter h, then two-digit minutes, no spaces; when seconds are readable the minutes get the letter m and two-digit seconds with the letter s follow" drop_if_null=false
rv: 1h25
